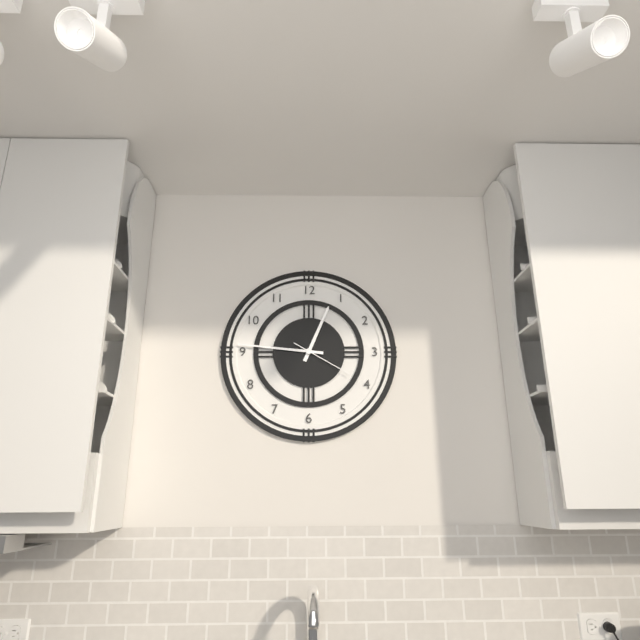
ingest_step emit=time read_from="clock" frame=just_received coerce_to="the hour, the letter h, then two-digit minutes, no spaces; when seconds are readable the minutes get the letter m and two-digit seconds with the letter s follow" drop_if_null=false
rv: 12h46m20s
